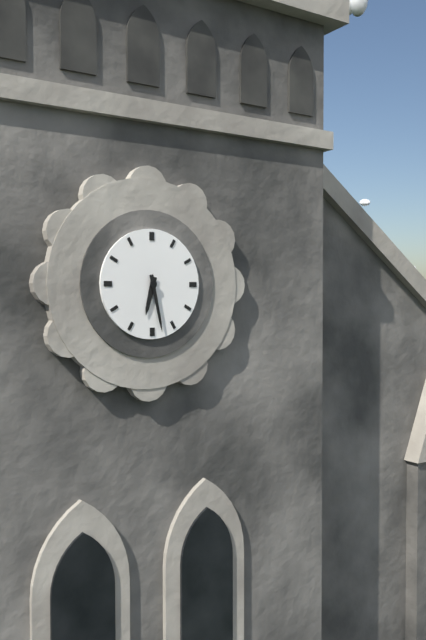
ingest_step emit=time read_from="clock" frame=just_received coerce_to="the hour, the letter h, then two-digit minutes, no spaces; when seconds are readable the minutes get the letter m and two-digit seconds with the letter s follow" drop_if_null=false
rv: 6h28
